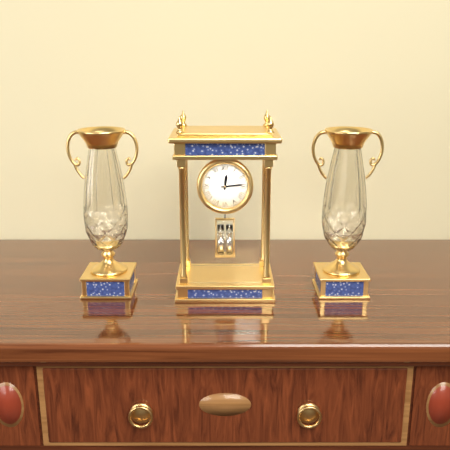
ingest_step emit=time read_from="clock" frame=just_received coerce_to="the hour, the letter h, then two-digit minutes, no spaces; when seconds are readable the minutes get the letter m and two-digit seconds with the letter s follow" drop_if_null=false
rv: 12h14
